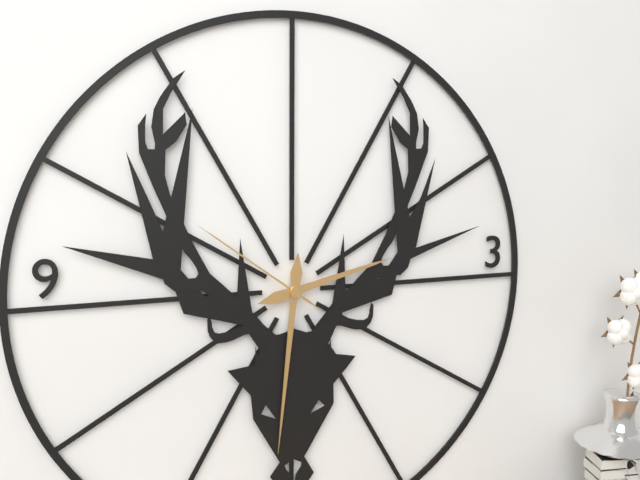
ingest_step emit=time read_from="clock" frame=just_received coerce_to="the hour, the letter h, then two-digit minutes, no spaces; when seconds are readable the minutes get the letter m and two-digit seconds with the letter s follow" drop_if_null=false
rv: 2h31m51s
